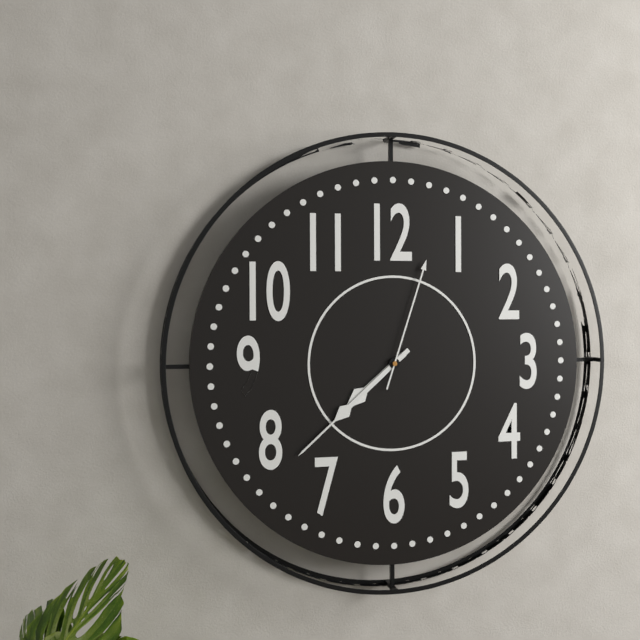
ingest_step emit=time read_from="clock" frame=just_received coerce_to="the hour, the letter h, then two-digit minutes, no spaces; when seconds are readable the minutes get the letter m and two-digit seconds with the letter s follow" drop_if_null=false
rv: 7h38m03s
